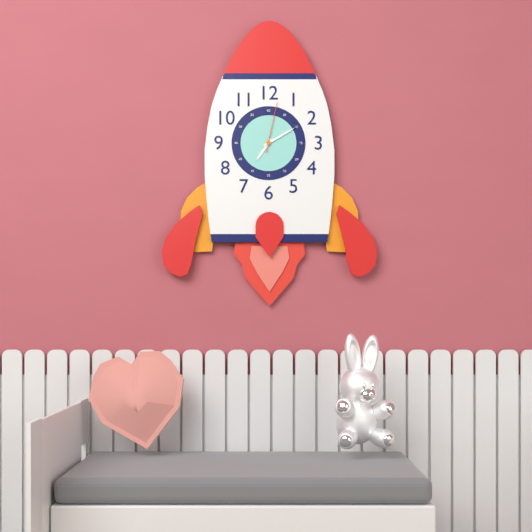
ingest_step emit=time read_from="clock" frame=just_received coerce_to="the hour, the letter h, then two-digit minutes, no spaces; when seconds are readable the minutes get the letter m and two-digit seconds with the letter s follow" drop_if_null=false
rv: 7h10m02s
